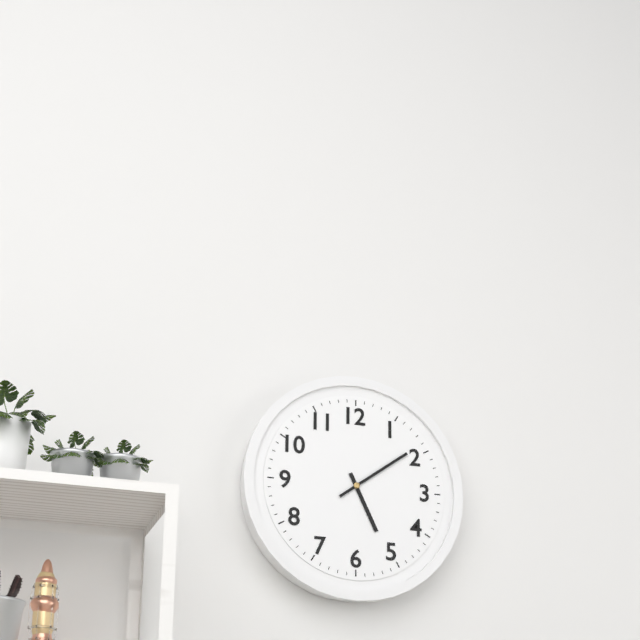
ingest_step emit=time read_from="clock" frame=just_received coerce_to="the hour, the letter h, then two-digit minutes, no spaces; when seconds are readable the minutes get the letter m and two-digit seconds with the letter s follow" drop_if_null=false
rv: 5h09
